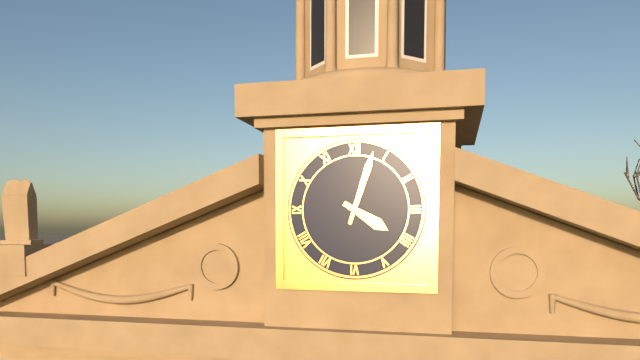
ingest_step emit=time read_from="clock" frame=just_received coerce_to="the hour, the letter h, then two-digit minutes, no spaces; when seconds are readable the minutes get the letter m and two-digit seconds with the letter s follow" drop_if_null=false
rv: 4h03
